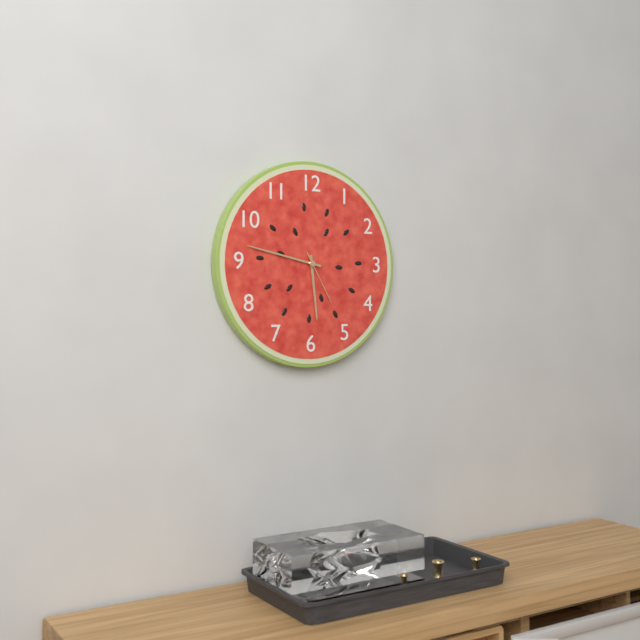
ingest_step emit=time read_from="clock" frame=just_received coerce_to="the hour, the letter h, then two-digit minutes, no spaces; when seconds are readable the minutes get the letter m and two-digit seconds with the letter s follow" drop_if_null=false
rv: 5h47m25s
